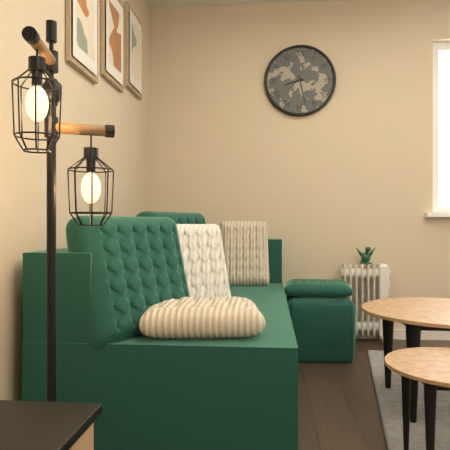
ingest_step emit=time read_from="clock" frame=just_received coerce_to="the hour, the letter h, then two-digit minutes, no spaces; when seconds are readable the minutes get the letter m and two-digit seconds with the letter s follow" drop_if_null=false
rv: 8h28
